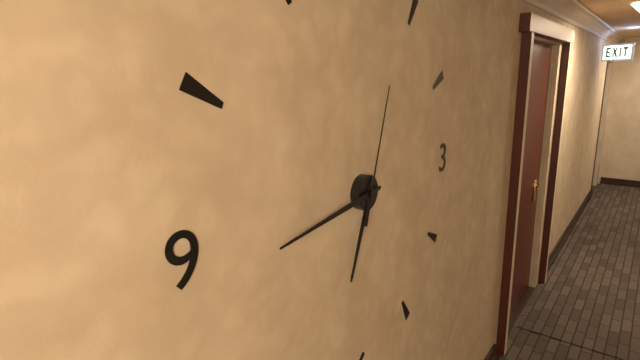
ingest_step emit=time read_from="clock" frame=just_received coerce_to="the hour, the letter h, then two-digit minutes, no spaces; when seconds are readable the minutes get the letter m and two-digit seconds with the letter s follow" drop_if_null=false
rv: 6h44m03s
